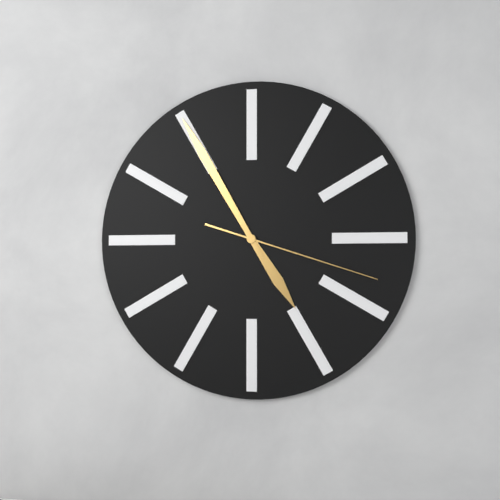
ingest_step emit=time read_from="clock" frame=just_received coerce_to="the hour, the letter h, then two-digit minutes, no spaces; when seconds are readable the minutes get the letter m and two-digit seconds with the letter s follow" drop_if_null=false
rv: 4h55m18s
